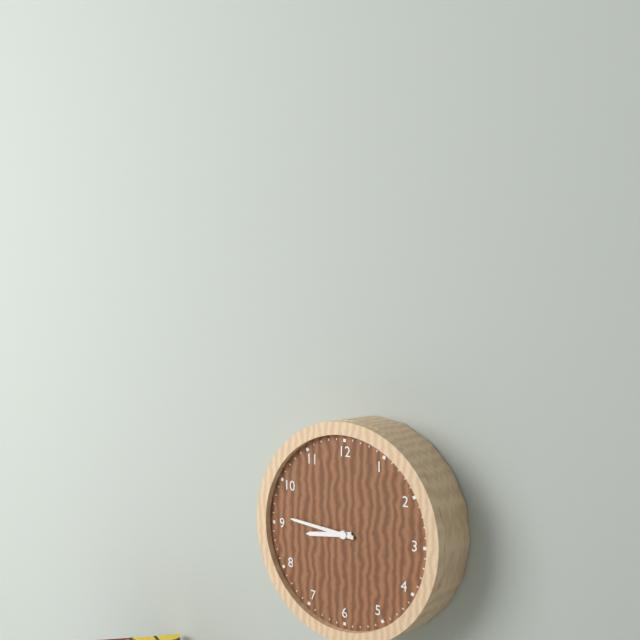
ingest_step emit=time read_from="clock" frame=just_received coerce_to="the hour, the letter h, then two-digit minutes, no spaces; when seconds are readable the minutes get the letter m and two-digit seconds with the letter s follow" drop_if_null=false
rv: 8h46
